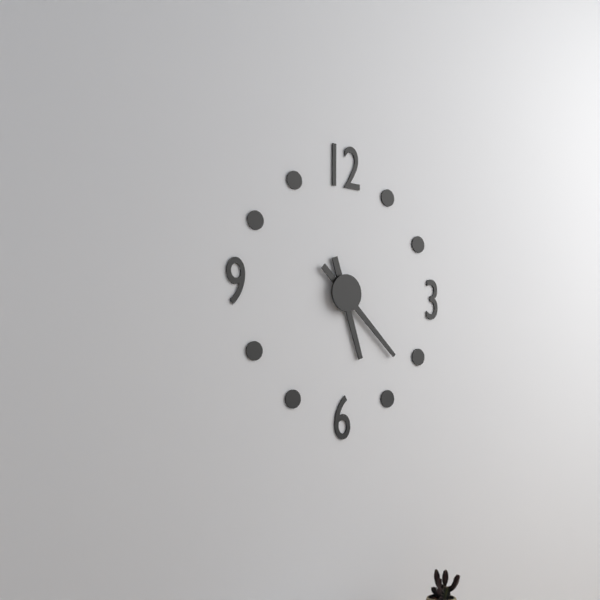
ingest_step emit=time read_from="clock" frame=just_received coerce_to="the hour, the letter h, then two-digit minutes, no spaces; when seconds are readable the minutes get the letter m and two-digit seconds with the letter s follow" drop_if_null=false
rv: 5h22
